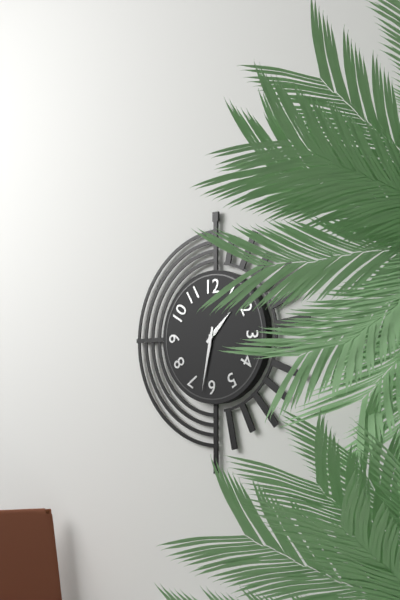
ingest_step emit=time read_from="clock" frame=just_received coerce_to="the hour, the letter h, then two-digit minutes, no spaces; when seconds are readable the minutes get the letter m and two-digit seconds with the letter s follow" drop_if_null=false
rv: 1h32
